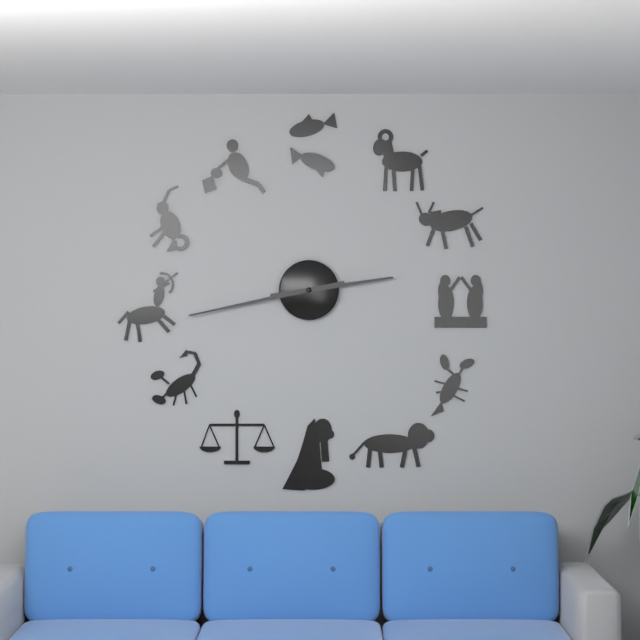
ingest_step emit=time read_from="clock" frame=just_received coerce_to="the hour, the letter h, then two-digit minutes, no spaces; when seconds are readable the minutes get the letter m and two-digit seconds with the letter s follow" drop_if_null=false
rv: 2h43
